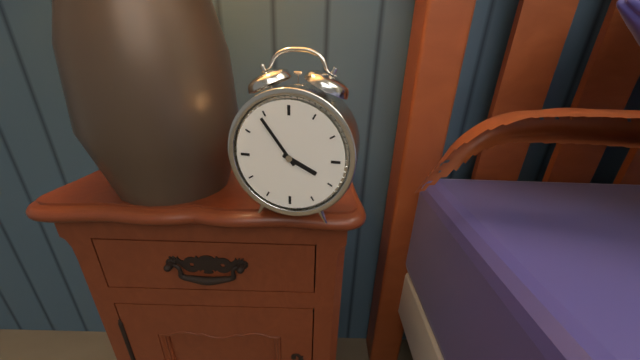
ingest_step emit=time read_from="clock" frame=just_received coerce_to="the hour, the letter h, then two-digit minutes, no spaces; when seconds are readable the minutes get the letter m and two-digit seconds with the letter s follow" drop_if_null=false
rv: 3h54
